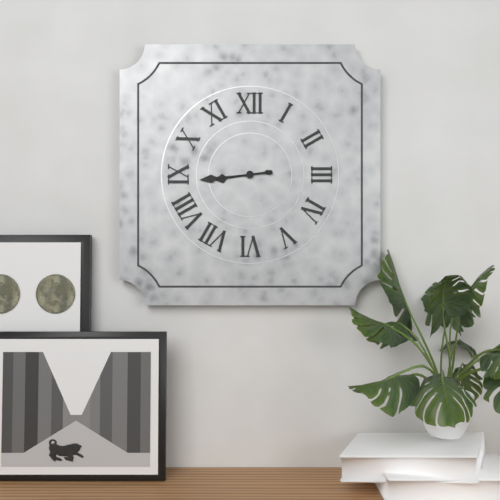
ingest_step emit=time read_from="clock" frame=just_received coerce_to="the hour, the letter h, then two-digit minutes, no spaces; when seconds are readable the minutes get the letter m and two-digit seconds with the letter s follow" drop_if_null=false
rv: 8h44
